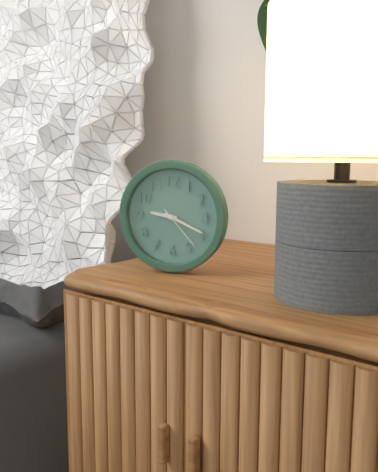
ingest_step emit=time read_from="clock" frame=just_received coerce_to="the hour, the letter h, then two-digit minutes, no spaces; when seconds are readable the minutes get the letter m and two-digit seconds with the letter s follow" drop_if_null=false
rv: 9h19
